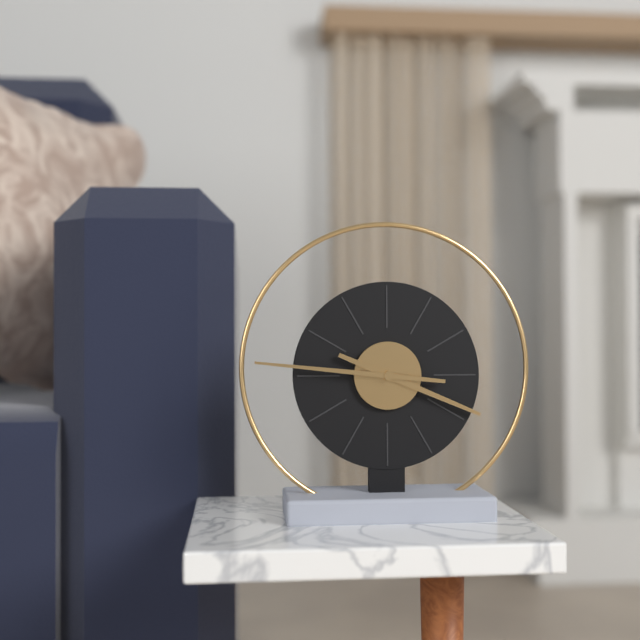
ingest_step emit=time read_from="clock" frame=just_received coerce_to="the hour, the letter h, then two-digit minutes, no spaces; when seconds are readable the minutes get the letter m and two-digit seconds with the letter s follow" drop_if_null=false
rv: 3h46
